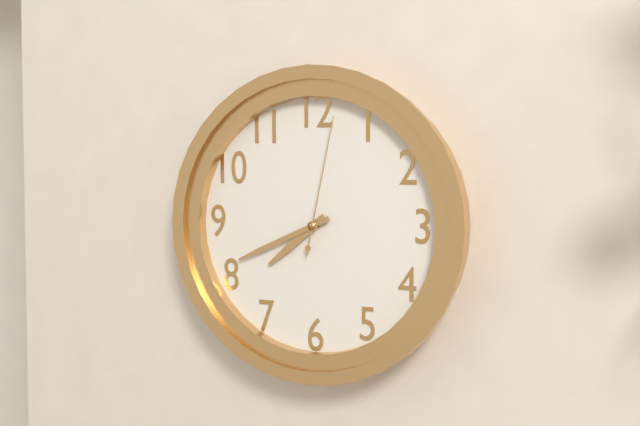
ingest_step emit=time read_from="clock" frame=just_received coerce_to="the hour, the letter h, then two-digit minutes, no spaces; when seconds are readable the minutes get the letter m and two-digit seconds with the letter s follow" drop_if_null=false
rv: 7h41m02s
